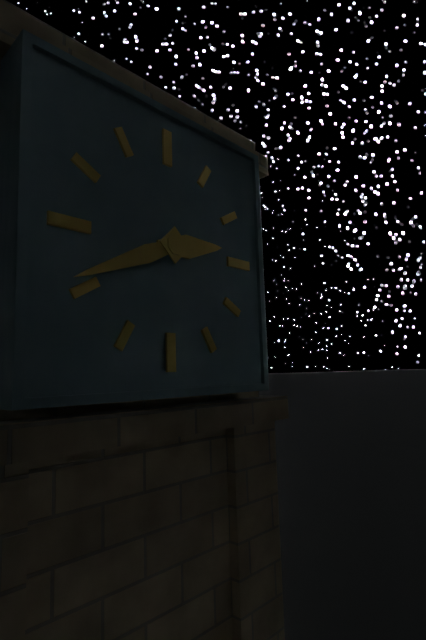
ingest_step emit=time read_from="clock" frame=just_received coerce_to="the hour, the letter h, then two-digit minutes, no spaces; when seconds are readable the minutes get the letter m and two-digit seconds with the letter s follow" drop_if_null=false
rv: 2h41
